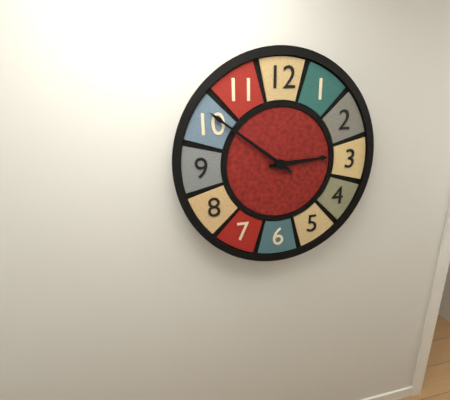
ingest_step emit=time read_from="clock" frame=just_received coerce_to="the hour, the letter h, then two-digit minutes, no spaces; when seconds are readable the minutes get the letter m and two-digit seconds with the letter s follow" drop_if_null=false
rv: 2h51
